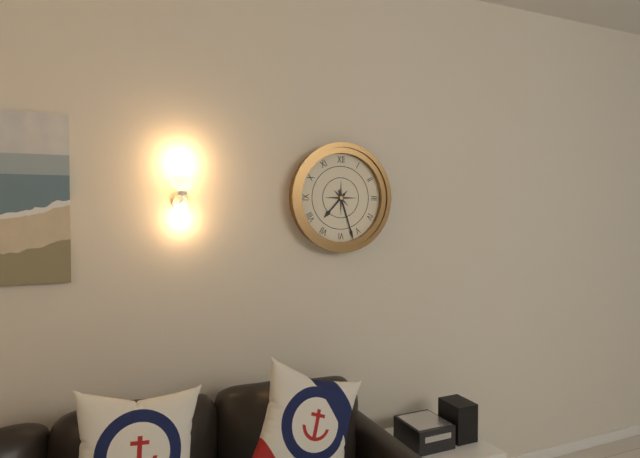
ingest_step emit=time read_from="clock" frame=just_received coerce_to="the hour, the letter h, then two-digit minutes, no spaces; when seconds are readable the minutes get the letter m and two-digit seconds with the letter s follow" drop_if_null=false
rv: 7h27
